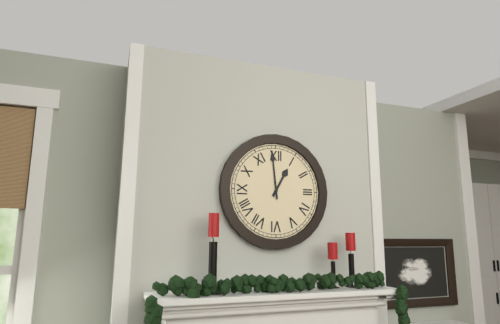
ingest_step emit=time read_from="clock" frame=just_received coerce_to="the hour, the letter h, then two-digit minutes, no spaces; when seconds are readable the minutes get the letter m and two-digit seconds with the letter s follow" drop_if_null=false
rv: 12h59
